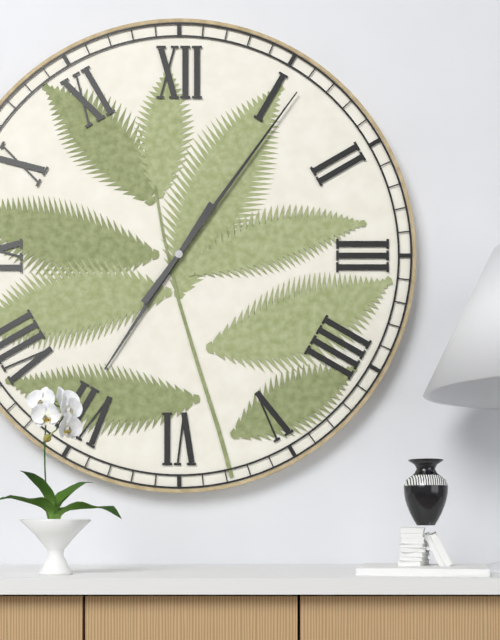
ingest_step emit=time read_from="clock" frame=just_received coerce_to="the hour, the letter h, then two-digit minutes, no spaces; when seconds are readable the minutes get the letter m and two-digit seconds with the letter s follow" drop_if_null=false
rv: 7h06
